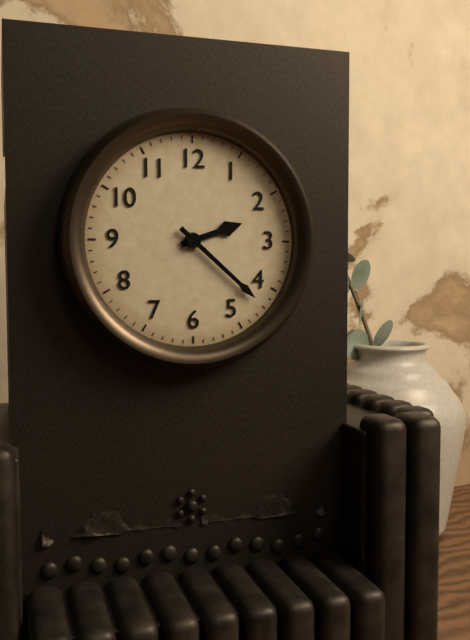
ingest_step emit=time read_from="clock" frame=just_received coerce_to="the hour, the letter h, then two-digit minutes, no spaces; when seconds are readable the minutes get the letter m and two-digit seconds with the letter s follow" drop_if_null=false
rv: 2h22
